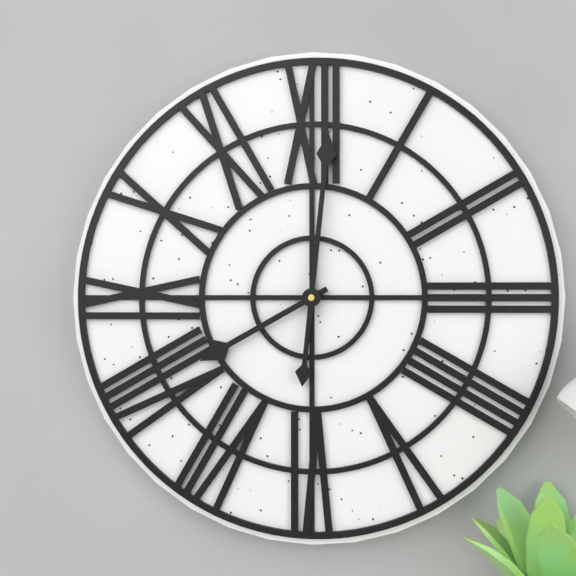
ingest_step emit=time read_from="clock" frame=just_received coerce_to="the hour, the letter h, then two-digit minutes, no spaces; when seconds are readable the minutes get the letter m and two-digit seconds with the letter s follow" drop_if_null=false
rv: 8h01
